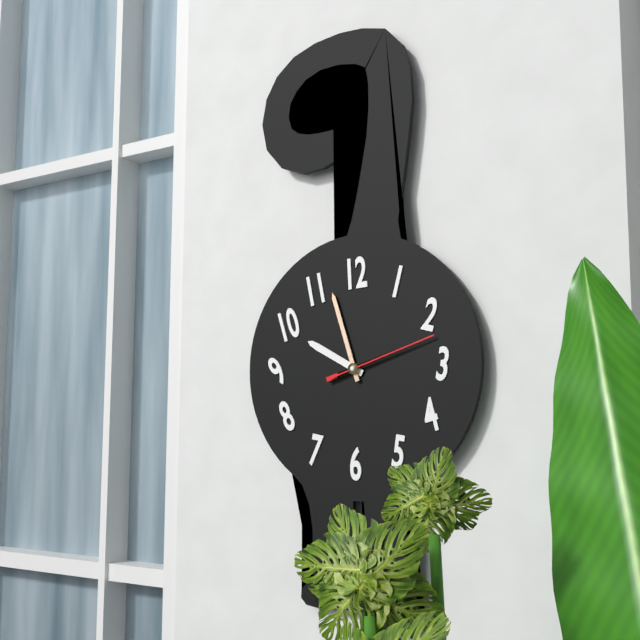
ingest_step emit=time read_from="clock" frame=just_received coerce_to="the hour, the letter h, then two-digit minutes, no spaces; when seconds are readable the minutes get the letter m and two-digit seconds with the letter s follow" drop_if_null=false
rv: 9h57m12s
